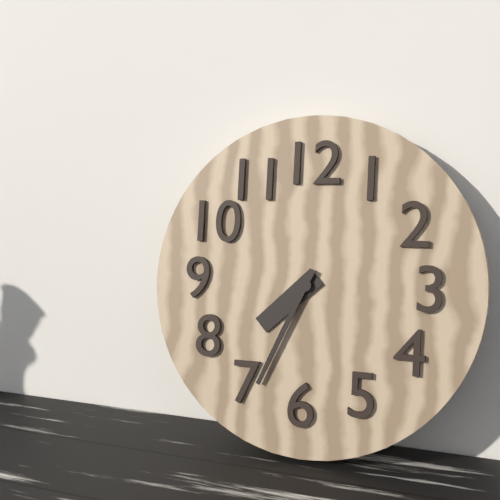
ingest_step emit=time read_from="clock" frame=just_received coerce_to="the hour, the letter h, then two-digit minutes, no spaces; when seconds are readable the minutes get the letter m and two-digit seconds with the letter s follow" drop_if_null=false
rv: 7h34
